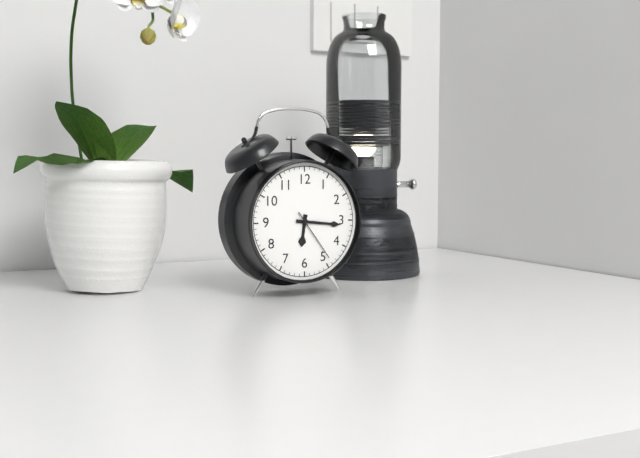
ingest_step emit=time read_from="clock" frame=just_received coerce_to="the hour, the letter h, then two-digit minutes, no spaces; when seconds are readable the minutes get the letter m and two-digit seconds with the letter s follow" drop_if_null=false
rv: 6h16m24s
